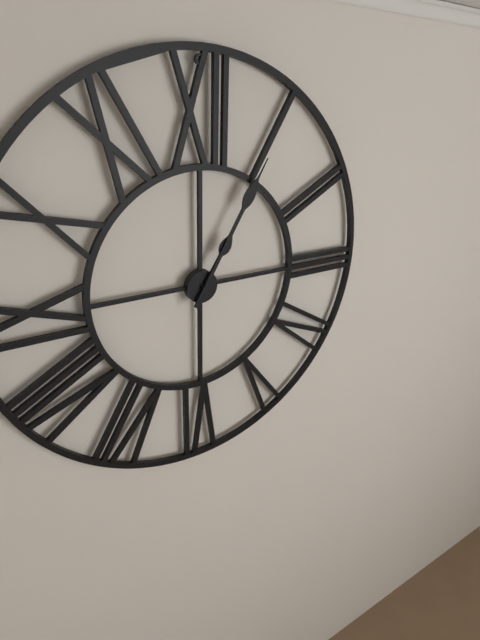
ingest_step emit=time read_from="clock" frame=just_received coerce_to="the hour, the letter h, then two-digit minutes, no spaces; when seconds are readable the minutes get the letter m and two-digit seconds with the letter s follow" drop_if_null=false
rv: 1h05
